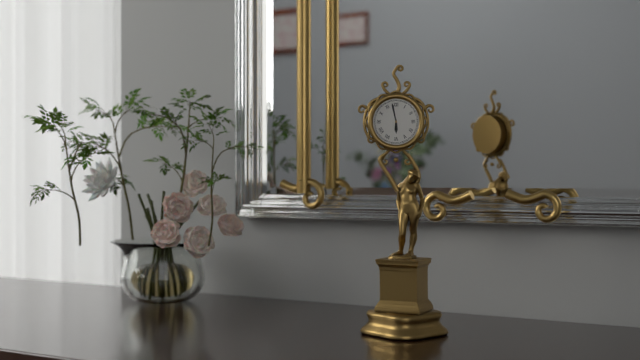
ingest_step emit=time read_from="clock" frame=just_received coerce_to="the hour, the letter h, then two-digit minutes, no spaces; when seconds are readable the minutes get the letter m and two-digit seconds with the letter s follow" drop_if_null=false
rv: 5h58
